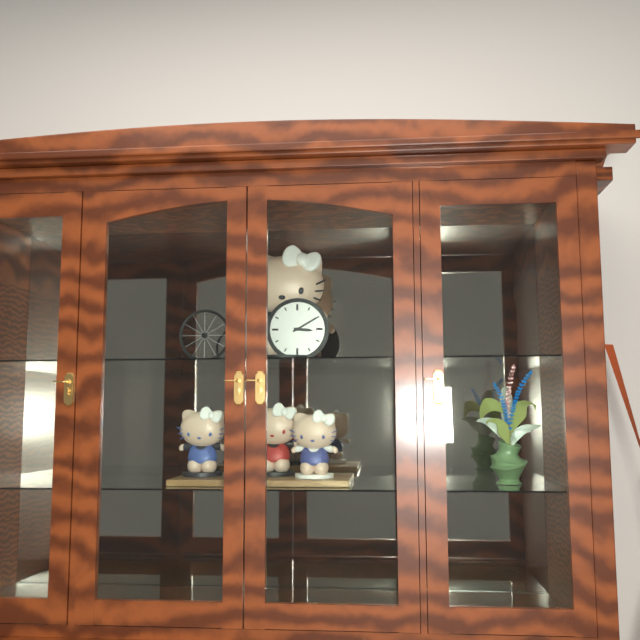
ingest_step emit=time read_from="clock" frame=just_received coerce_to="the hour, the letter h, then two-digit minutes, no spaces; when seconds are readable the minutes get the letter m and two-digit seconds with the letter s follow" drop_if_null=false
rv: 3h10
